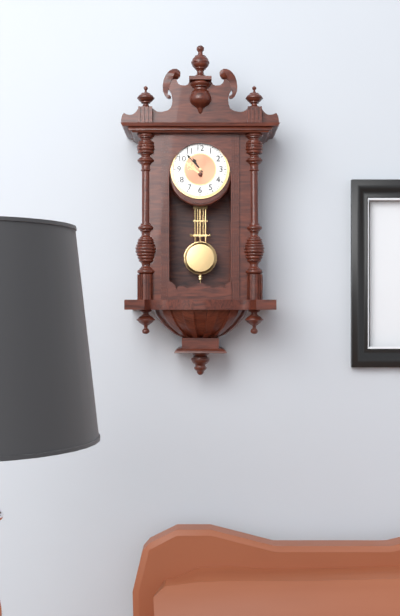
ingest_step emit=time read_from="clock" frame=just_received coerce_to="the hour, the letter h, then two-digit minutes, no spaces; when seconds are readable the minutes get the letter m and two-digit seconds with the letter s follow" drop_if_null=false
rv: 10h53
